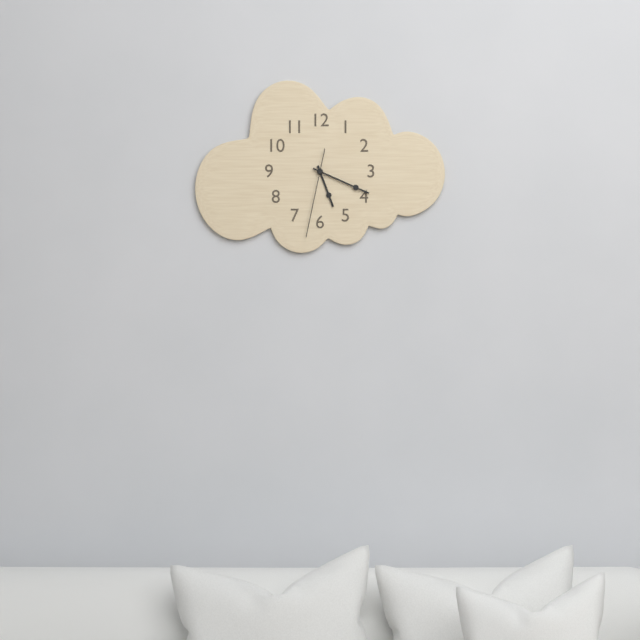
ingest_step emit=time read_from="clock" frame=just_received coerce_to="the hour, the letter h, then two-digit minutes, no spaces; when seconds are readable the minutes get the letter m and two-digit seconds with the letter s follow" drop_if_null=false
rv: 5h19m32s
